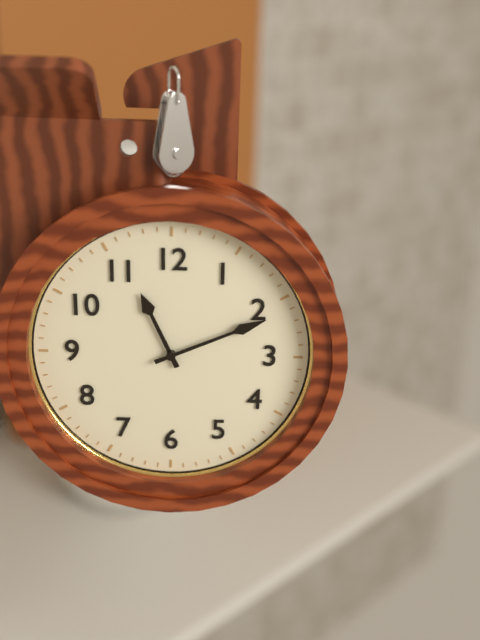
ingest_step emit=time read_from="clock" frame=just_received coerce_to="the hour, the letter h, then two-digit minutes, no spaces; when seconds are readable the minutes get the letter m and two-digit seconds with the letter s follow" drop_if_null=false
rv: 11h11
